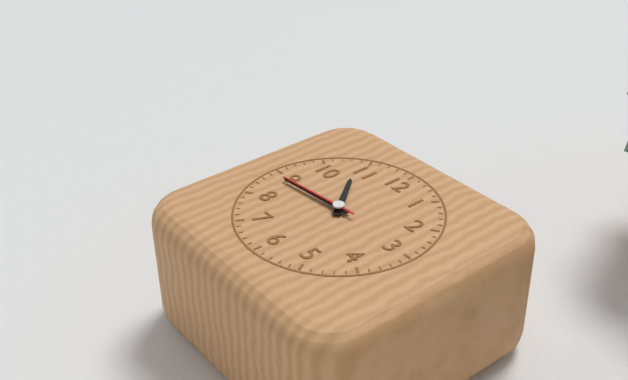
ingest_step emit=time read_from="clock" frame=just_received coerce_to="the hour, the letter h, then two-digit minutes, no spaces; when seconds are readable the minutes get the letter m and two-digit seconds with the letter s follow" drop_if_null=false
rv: 10h44m44s
